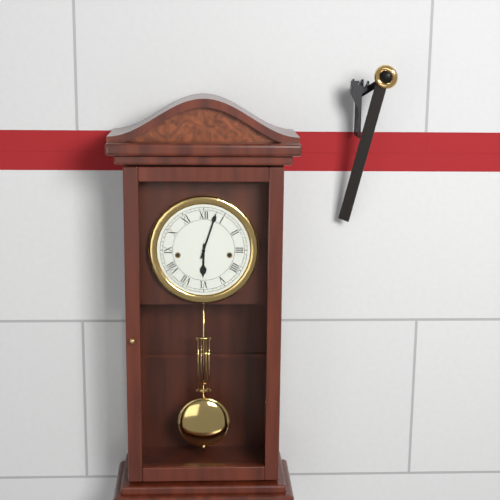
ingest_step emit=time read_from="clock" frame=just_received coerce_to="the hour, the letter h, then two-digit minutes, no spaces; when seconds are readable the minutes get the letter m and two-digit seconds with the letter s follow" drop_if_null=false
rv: 6h03
